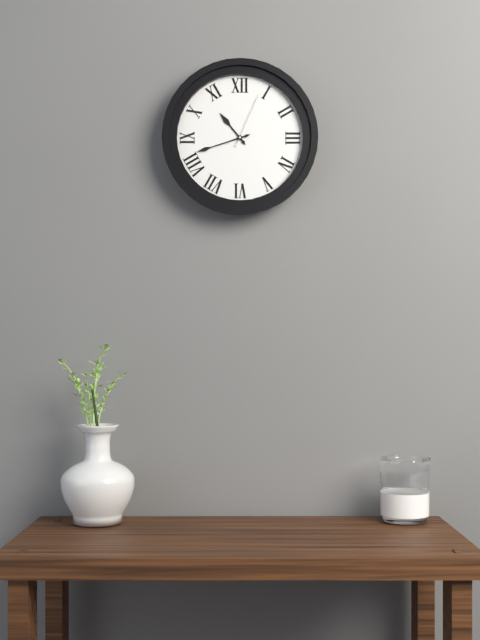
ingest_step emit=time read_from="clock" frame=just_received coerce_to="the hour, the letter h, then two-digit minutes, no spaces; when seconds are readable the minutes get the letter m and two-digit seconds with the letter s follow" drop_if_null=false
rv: 10h42m04s
